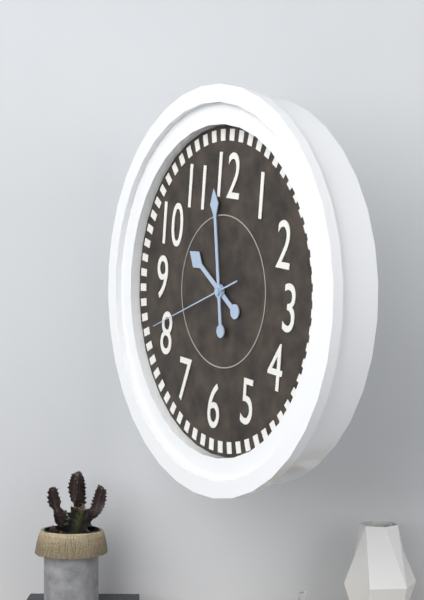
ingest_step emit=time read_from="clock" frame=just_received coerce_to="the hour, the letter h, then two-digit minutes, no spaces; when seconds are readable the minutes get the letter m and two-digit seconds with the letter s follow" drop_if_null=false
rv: 9h58m41s
